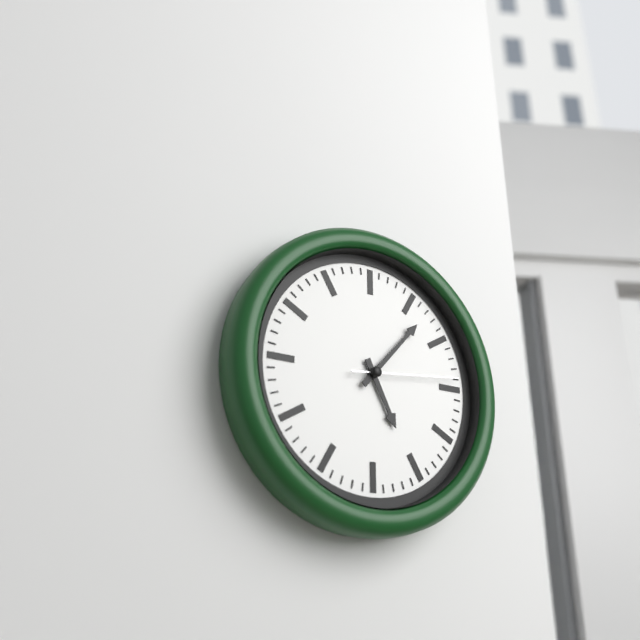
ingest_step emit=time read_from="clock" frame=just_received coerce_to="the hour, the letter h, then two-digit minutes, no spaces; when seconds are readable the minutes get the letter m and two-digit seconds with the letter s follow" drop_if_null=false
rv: 5h07m14s
